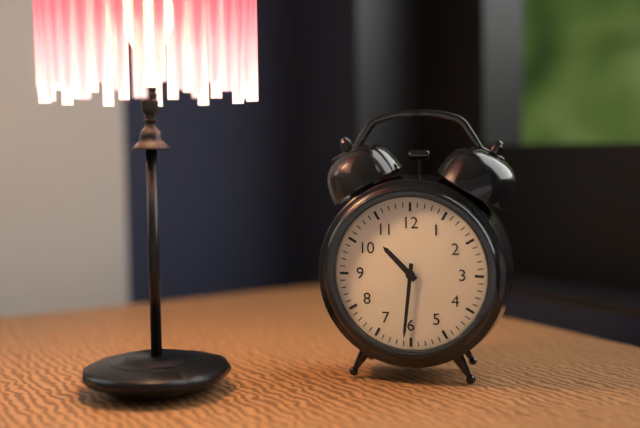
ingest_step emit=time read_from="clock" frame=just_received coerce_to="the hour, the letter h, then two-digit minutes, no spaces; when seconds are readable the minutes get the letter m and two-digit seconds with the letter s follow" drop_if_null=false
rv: 10h31
